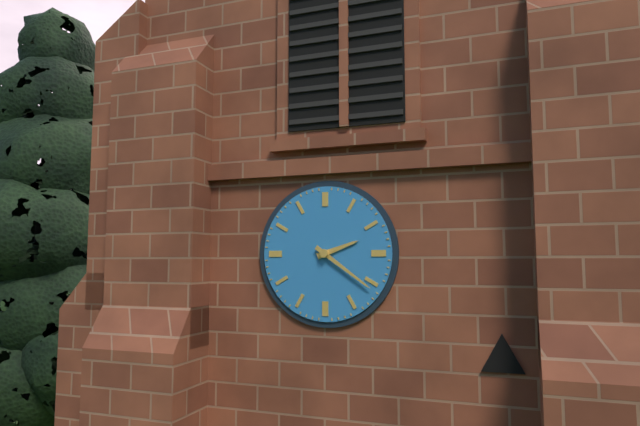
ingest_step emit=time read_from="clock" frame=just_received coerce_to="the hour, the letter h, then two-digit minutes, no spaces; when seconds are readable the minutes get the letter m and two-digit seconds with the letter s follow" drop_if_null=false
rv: 2h21
